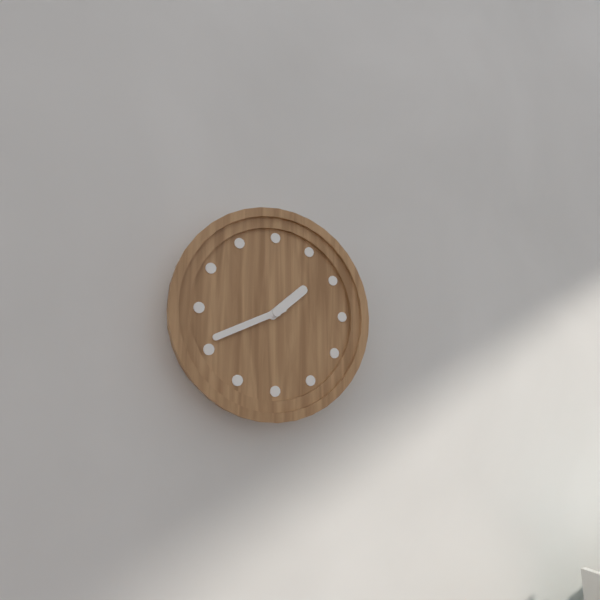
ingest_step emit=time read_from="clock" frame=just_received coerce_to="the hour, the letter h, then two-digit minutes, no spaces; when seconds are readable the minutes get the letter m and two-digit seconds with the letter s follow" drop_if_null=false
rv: 1h41
